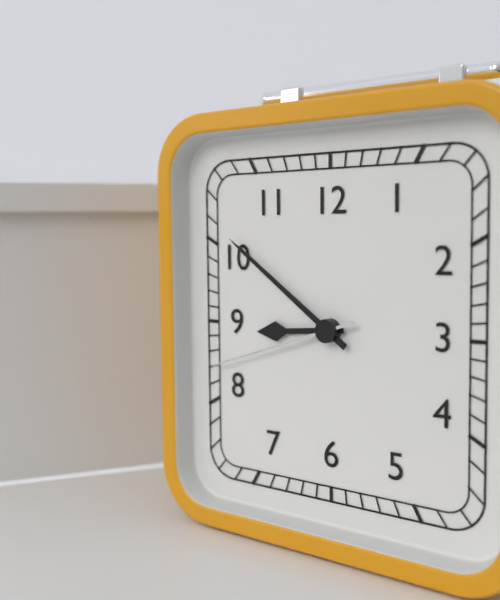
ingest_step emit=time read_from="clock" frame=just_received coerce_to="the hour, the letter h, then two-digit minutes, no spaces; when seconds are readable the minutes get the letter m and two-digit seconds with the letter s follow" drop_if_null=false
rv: 8h51m42s
